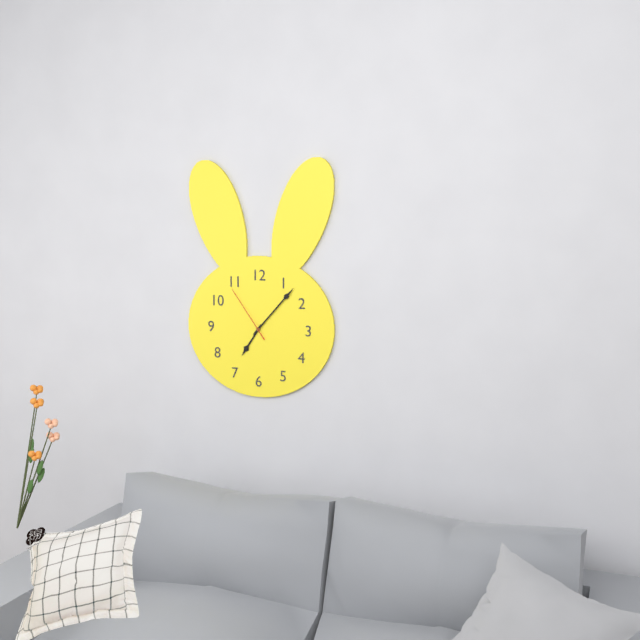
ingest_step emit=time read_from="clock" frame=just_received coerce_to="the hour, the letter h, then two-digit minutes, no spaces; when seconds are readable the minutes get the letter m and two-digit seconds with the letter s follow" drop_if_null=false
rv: 7h07m54s
